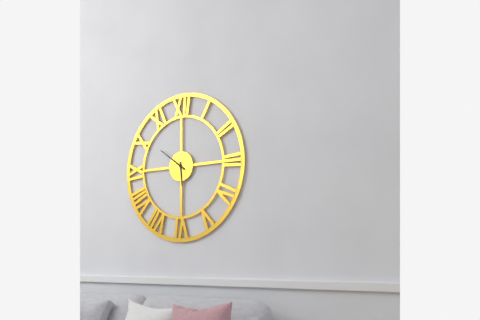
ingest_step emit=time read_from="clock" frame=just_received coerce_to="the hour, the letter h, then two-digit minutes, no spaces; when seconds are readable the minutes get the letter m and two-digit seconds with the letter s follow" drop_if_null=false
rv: 5h51
